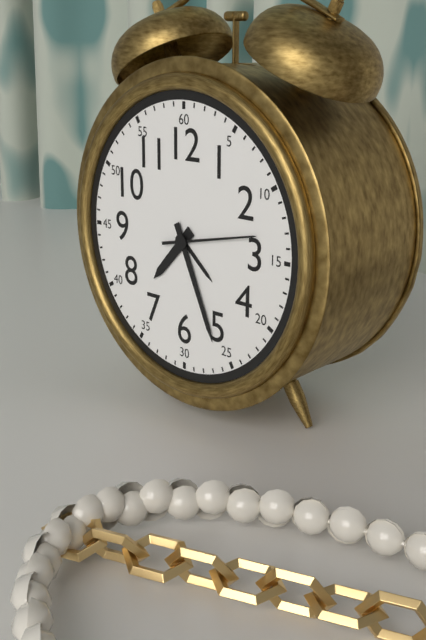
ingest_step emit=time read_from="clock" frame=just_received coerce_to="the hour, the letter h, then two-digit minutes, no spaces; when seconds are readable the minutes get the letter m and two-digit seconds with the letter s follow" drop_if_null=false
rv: 7h26m13s
